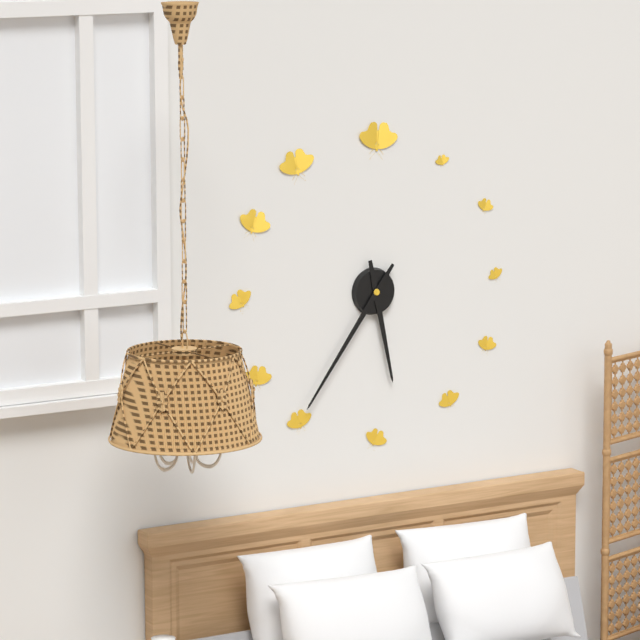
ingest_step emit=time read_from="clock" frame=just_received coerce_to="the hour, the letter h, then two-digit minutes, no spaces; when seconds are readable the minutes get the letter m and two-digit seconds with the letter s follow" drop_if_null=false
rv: 5h36
